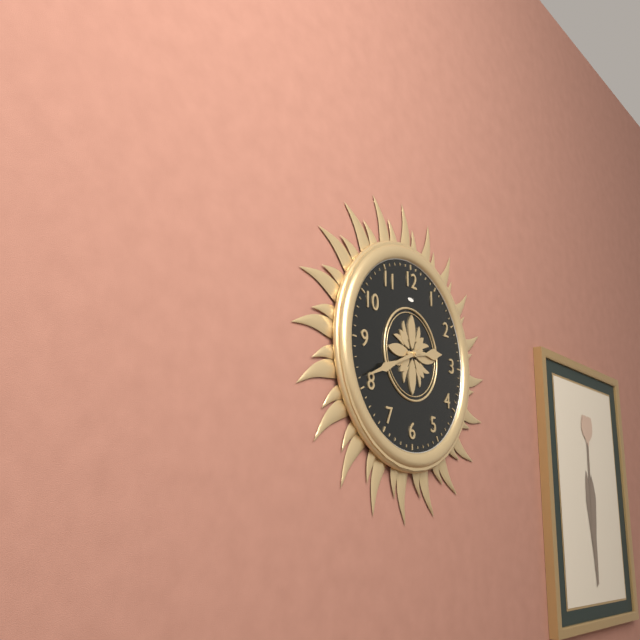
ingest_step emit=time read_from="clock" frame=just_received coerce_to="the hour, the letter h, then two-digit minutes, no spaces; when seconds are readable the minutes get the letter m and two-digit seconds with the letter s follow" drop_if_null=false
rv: 2h41
